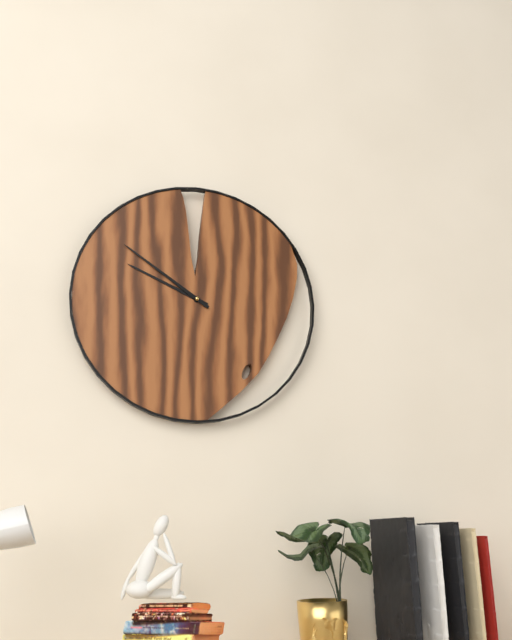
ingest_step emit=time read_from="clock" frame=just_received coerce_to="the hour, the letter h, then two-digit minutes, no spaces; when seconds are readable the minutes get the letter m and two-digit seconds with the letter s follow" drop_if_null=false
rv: 9h51
